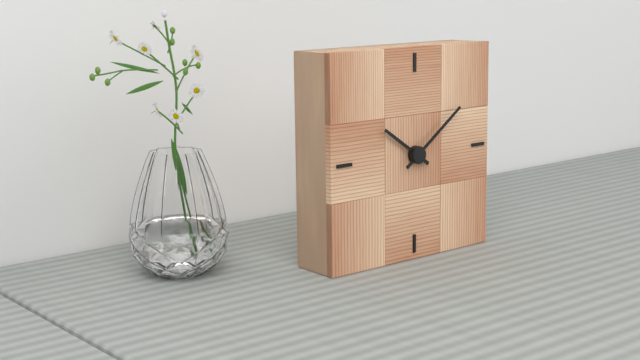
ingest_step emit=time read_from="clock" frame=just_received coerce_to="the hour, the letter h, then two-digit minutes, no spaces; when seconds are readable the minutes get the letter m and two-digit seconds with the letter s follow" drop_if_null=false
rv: 10h09
